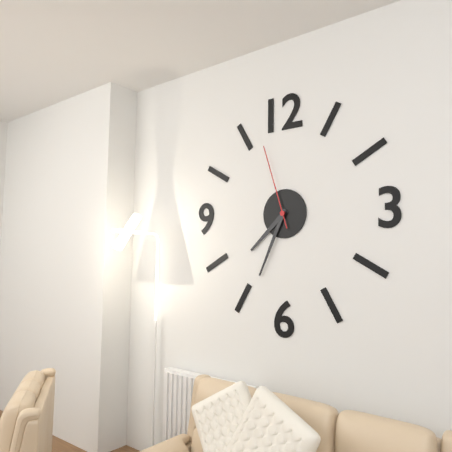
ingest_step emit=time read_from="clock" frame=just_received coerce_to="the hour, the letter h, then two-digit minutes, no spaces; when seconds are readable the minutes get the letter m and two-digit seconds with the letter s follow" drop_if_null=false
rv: 7h34m57s
